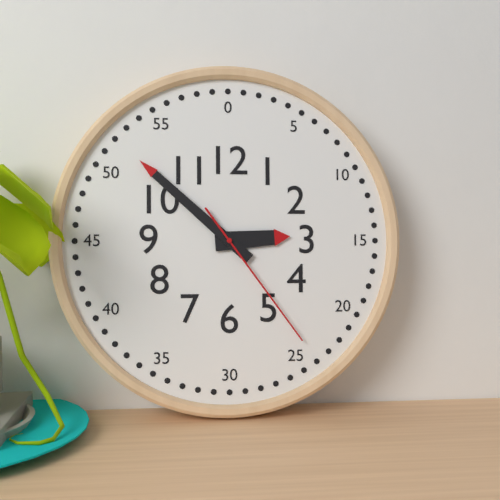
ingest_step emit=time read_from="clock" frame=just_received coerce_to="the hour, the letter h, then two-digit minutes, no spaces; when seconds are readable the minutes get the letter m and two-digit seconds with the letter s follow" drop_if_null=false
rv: 2h52m24s
